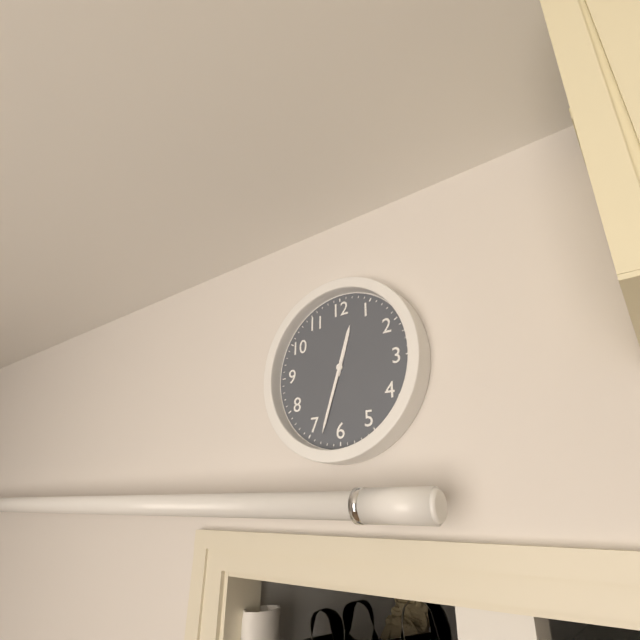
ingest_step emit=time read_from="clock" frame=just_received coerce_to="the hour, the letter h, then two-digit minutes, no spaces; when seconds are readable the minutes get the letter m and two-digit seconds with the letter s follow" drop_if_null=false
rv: 12h33
